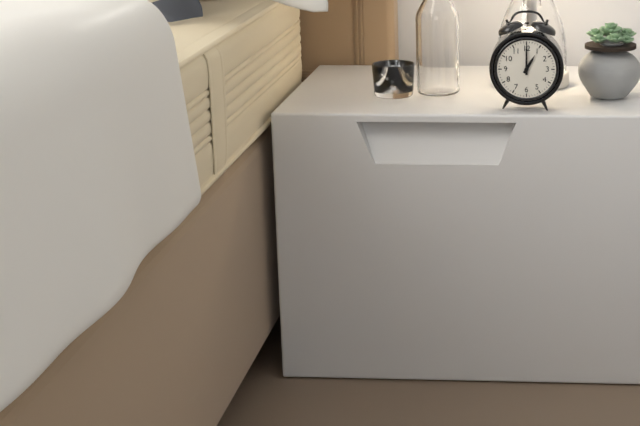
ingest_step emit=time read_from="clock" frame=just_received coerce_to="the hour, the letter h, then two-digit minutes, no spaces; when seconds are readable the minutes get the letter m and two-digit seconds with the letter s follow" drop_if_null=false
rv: 1h00
